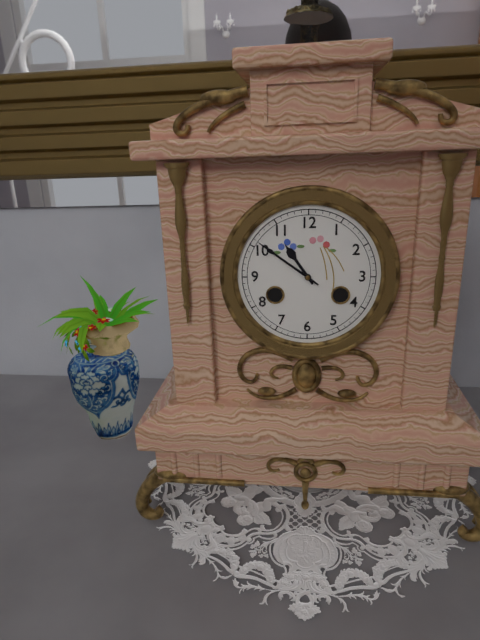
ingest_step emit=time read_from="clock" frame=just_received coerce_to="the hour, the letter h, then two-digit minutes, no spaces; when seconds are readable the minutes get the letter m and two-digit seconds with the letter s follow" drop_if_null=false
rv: 10h51
